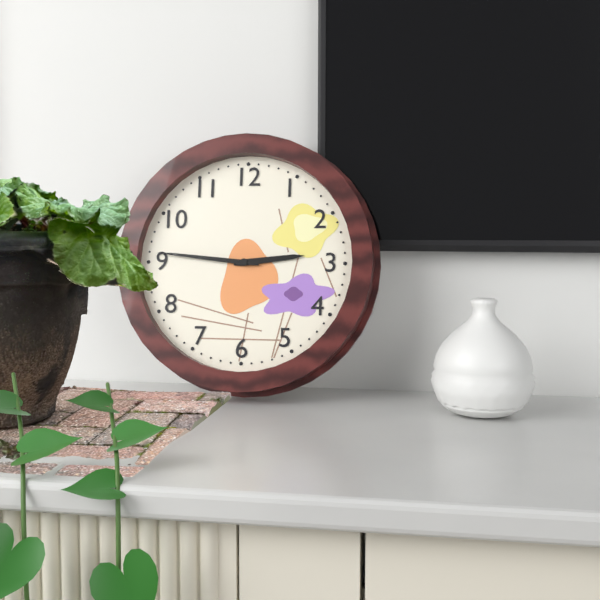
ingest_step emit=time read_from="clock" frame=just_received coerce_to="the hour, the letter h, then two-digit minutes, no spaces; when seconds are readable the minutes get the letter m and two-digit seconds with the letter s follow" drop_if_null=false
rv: 2h46
